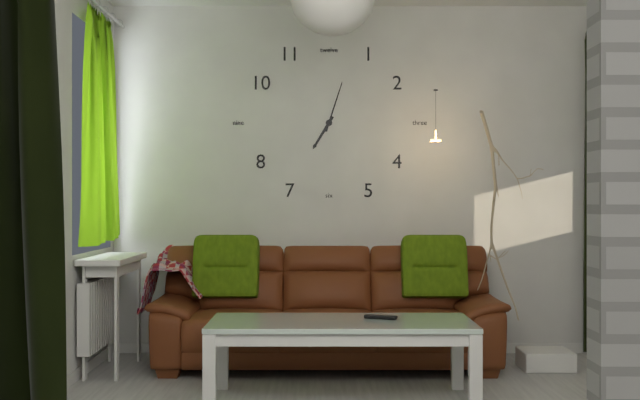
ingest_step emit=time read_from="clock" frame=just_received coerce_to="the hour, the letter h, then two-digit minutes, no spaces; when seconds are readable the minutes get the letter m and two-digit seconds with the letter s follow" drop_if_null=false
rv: 7h03
